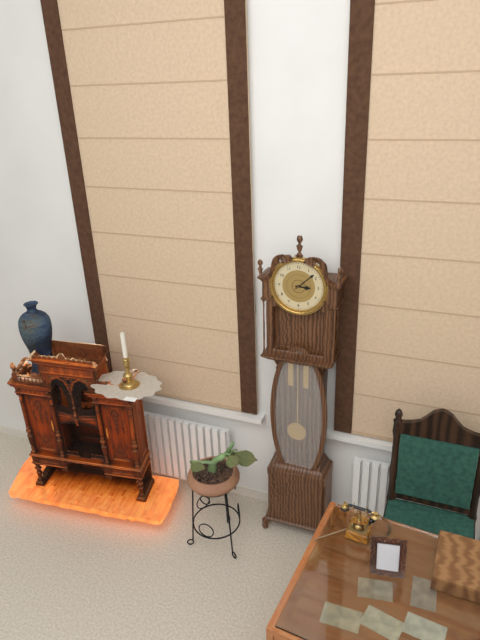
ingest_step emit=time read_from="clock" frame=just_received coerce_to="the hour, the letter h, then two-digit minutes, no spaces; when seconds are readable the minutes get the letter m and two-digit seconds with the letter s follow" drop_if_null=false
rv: 3h08
